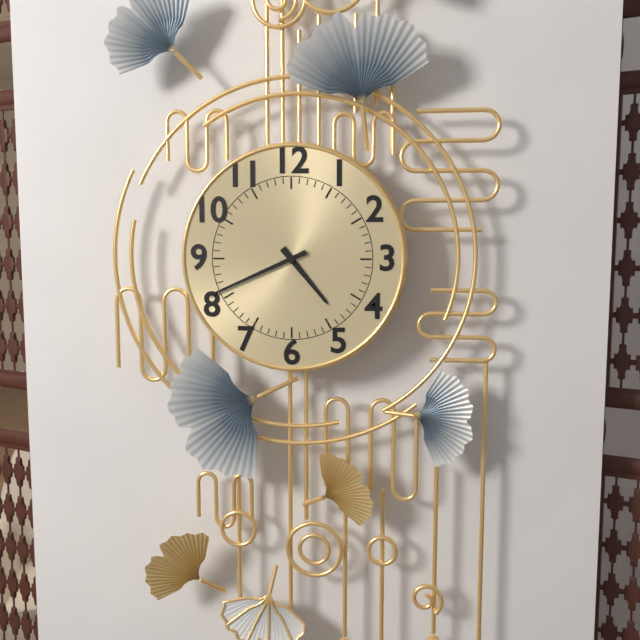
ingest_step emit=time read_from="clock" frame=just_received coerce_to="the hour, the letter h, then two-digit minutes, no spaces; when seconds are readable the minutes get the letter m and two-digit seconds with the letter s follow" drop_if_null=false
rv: 4h41
